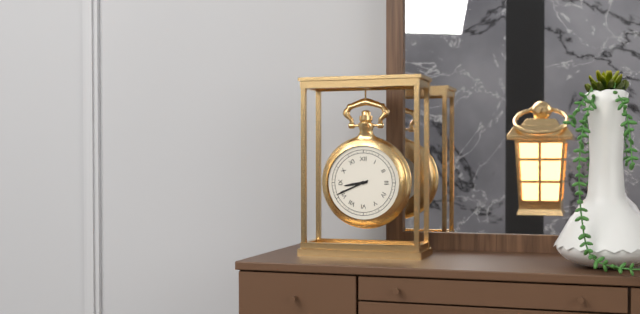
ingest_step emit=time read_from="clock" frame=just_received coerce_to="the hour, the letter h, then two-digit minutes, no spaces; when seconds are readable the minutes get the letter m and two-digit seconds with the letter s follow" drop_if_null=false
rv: 8h41
